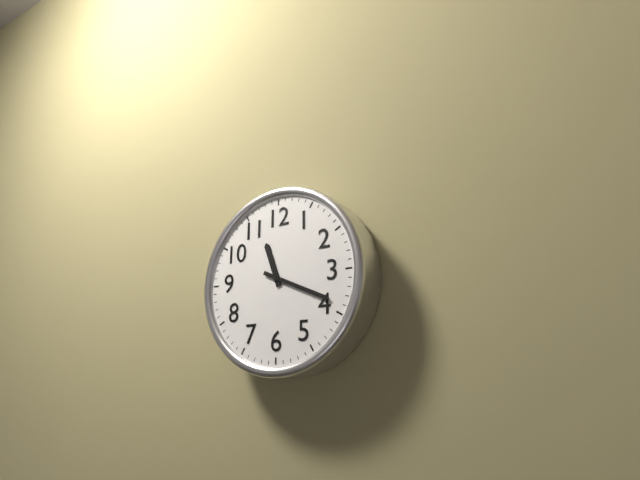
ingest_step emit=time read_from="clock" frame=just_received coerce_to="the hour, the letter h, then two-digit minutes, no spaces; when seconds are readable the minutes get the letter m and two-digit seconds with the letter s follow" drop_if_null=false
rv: 11h19
